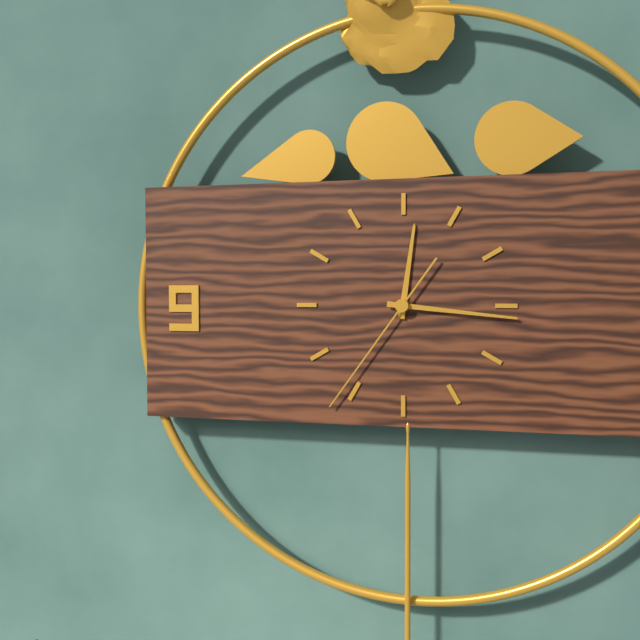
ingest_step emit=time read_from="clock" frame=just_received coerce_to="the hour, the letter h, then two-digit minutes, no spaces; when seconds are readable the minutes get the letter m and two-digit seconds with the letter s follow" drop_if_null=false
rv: 12h16m36s
